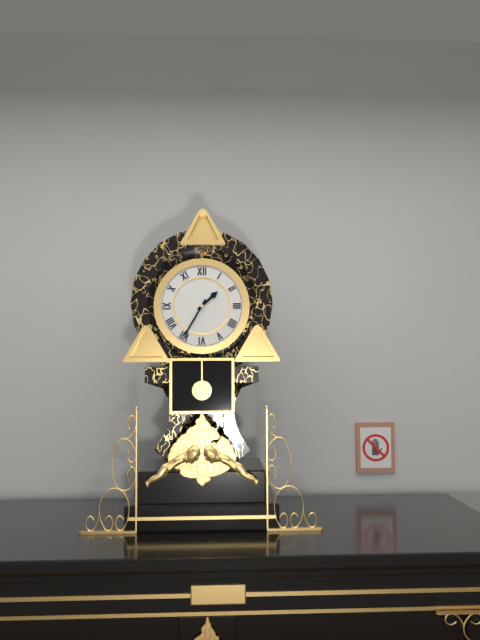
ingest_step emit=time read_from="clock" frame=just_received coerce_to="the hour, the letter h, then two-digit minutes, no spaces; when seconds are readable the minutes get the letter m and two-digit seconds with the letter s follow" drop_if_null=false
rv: 1h35
